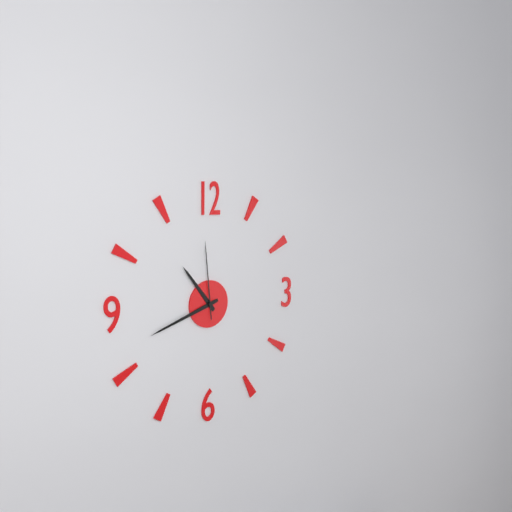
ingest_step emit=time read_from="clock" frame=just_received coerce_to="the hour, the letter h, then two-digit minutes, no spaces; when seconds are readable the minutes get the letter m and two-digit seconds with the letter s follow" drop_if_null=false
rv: 10h42m59s
